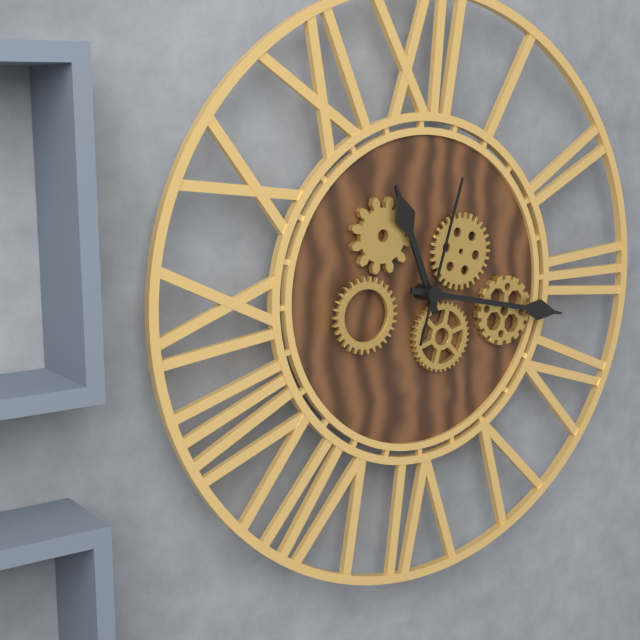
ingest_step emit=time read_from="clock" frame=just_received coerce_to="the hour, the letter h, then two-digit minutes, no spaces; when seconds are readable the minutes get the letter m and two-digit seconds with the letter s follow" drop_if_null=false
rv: 11h17m03s
